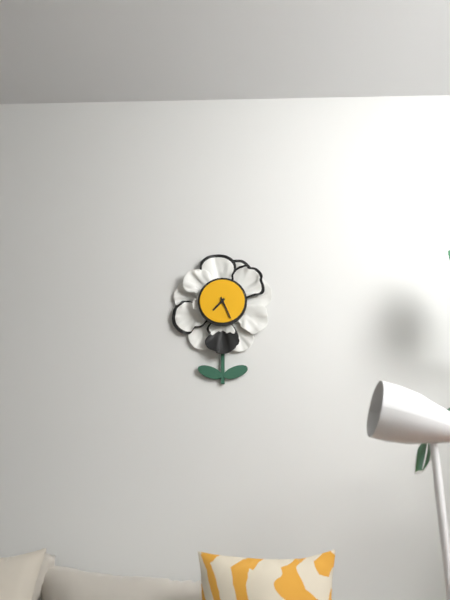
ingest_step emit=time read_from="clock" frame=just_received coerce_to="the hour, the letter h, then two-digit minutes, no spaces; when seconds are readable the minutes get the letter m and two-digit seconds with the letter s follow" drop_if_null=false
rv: 7h26
